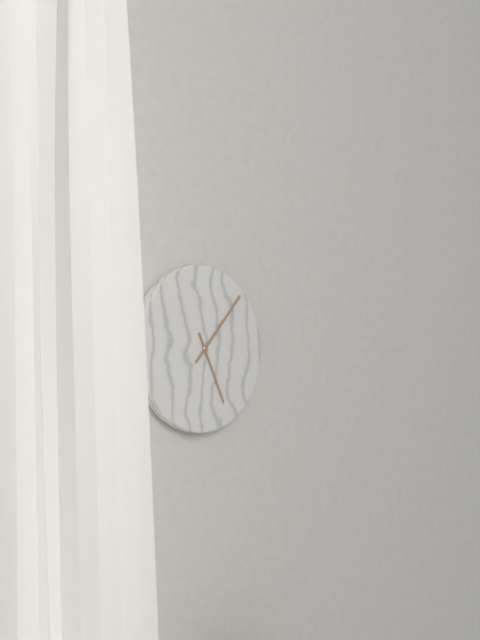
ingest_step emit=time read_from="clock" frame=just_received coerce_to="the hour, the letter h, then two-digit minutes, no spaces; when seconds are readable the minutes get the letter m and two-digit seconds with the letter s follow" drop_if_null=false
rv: 5h07
